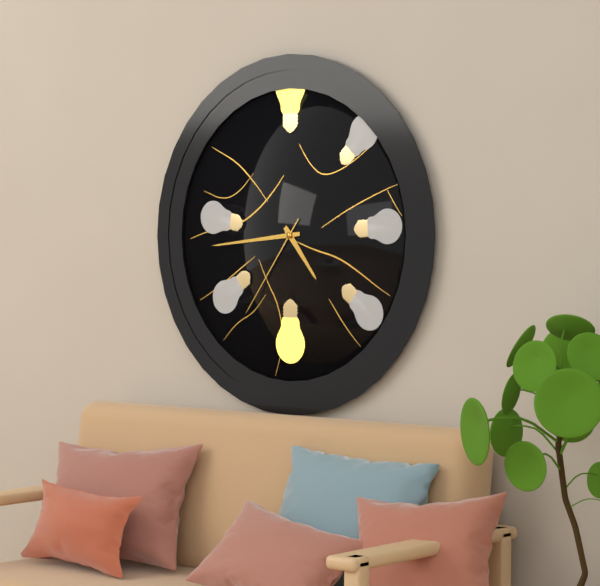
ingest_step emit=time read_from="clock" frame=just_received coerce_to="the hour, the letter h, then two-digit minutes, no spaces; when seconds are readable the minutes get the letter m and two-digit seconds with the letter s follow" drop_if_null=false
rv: 4h44m36s
